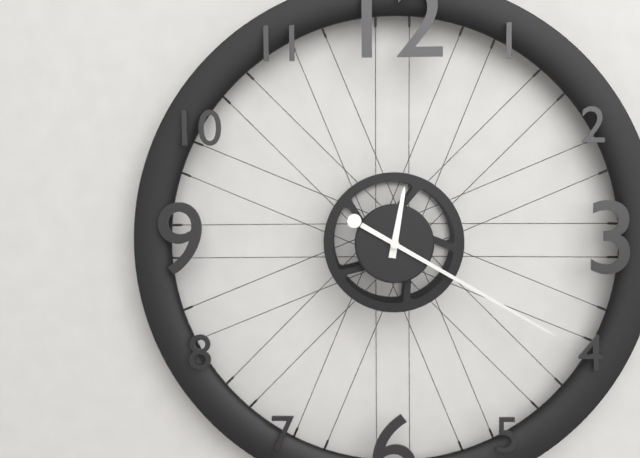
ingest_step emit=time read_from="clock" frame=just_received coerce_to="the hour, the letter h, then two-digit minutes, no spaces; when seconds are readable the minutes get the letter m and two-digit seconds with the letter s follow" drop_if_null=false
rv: 12h20
